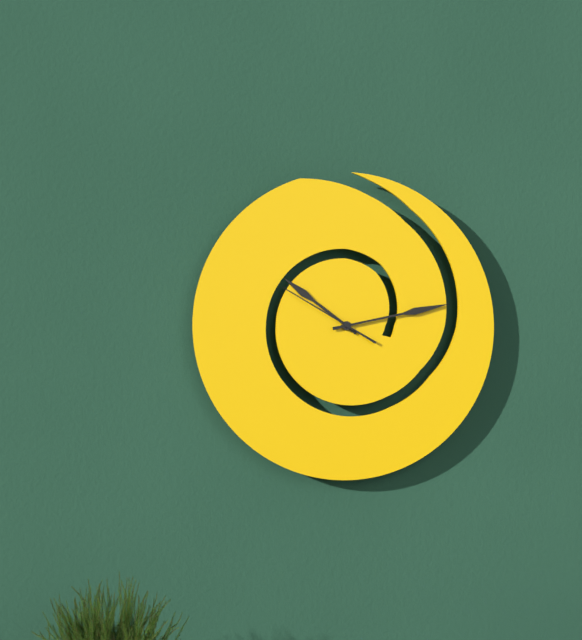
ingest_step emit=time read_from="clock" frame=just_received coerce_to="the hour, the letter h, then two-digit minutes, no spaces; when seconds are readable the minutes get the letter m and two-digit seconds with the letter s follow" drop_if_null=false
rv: 10h13m50s
